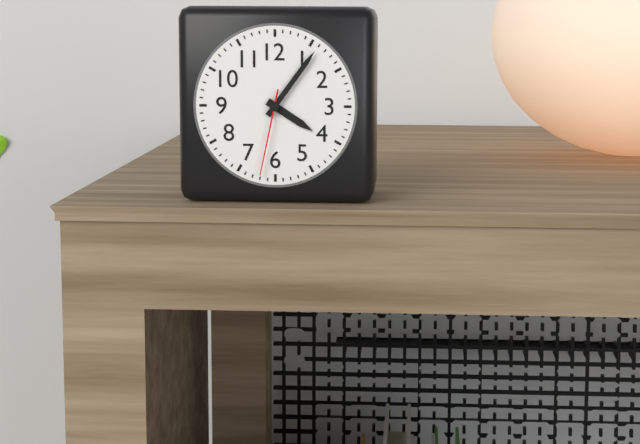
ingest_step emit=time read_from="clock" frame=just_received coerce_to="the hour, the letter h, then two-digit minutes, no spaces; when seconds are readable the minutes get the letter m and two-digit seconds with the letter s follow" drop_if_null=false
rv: 4h06m32s
